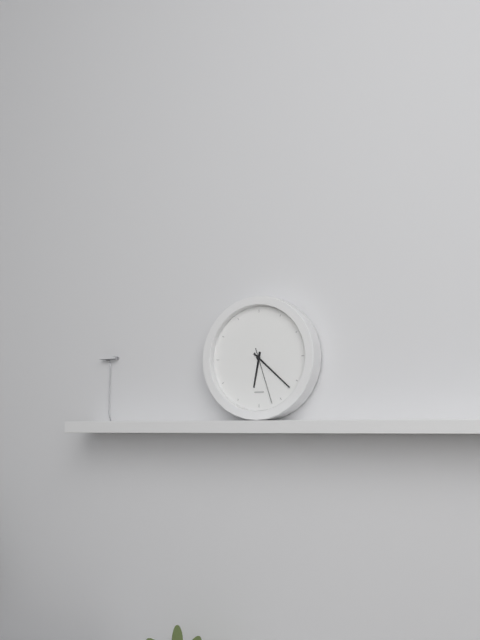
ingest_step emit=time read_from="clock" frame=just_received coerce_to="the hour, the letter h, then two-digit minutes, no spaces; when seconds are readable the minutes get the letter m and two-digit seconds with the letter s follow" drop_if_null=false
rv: 6h22m27s
